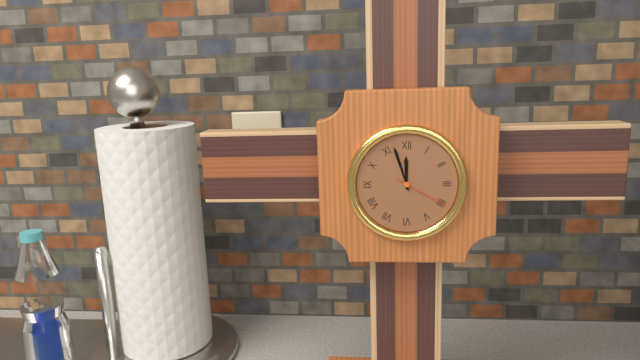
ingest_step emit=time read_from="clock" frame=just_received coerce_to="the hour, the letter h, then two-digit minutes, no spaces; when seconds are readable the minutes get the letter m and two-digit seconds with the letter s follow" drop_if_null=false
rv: 11h57m20s
